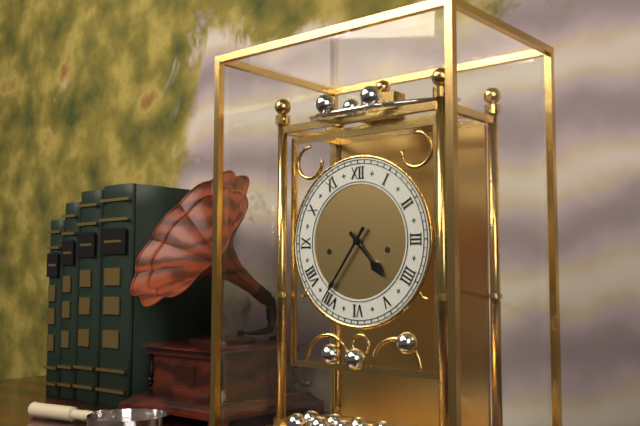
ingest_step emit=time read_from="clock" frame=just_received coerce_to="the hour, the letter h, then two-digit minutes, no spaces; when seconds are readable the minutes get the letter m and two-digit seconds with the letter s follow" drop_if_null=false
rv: 4h36
